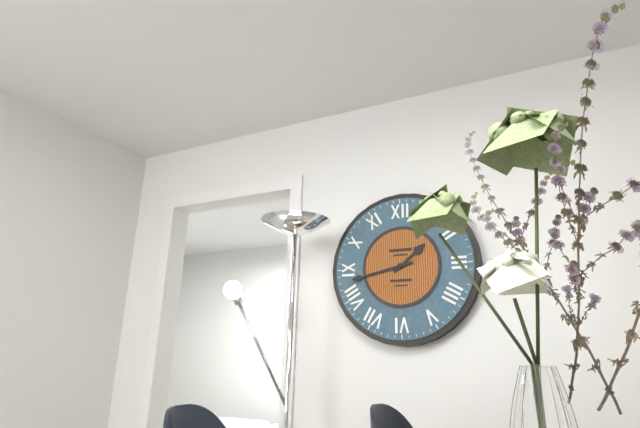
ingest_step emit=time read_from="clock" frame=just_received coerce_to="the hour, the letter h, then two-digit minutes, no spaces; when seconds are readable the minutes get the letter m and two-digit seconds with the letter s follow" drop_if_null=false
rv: 1h43
